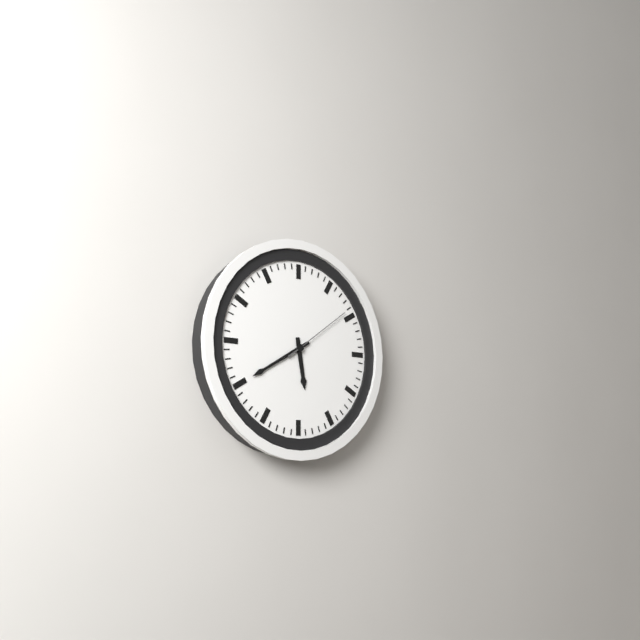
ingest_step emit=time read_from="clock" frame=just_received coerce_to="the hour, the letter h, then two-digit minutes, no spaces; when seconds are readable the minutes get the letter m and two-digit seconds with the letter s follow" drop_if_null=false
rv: 5h40m09s
